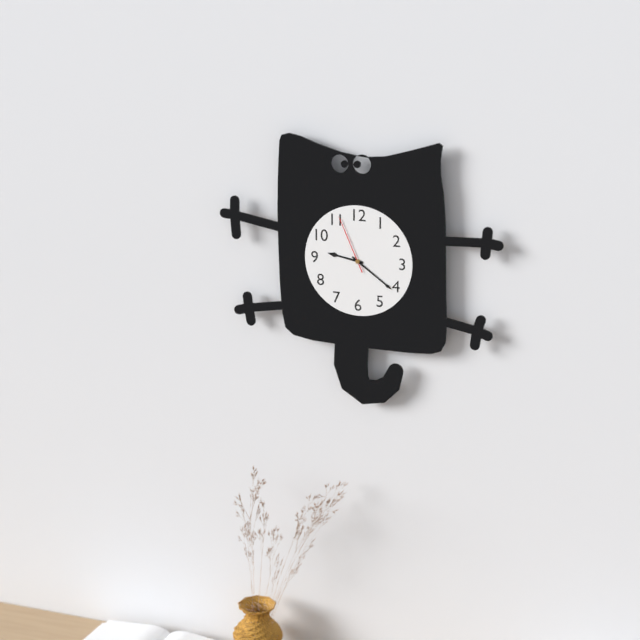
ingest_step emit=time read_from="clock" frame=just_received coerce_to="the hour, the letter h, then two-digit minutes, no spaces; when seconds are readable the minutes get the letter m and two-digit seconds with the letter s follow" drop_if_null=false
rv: 9h21m56s
